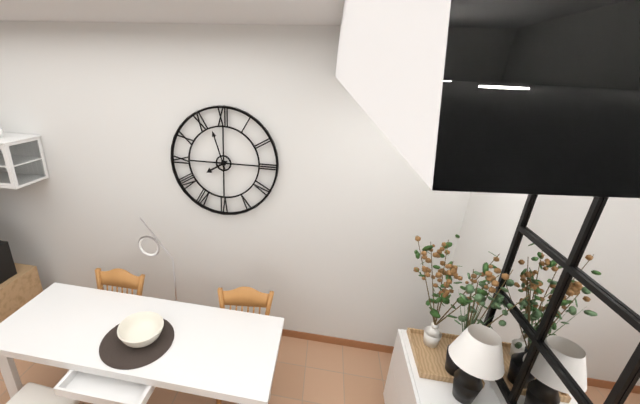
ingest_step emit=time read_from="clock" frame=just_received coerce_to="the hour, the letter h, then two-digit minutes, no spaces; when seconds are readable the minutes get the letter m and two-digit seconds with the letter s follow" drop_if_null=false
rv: 7h57
